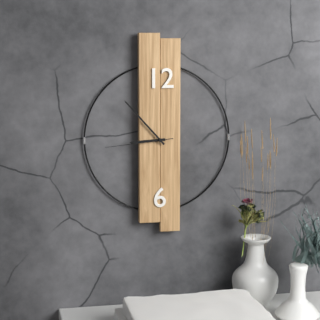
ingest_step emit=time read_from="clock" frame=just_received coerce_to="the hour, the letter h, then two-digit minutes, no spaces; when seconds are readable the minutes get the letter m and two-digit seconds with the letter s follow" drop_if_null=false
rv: 8h53m44s
